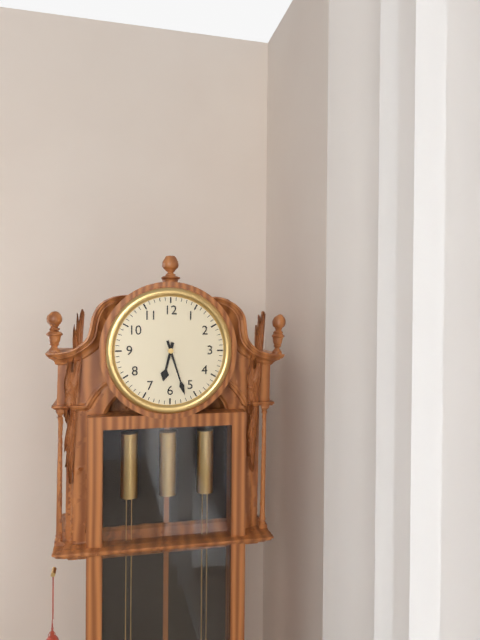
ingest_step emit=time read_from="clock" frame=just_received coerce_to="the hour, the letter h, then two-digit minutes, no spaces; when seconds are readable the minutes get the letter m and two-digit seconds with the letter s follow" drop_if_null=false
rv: 6h27
